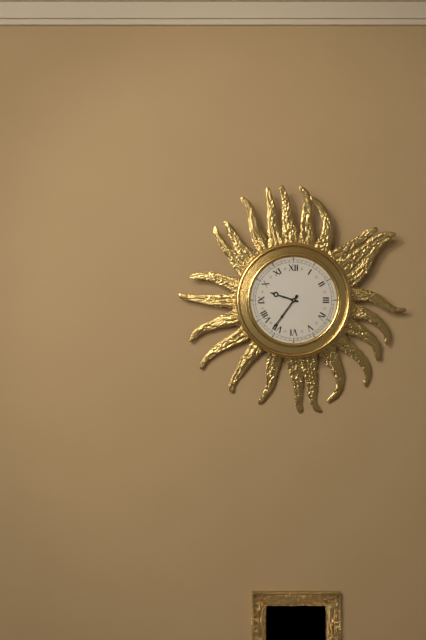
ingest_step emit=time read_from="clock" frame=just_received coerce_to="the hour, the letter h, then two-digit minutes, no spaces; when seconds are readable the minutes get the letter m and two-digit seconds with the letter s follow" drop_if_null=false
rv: 9h36
